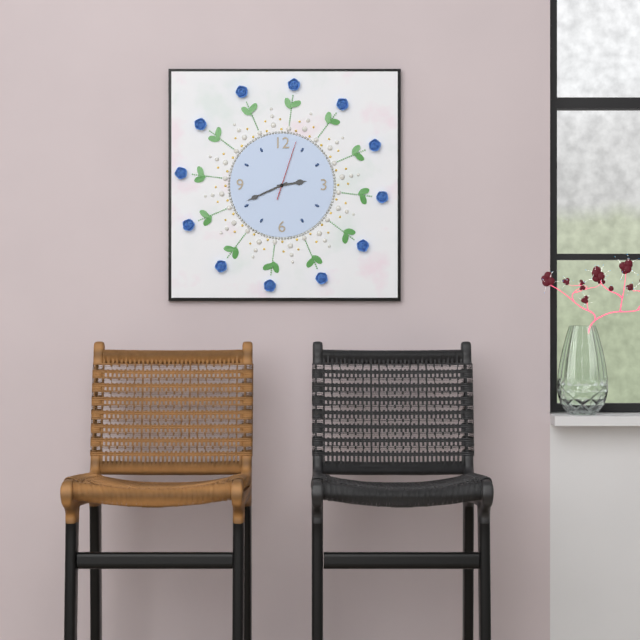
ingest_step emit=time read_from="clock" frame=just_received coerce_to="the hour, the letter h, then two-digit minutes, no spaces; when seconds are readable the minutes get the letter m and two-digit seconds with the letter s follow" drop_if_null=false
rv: 2h41m03s
